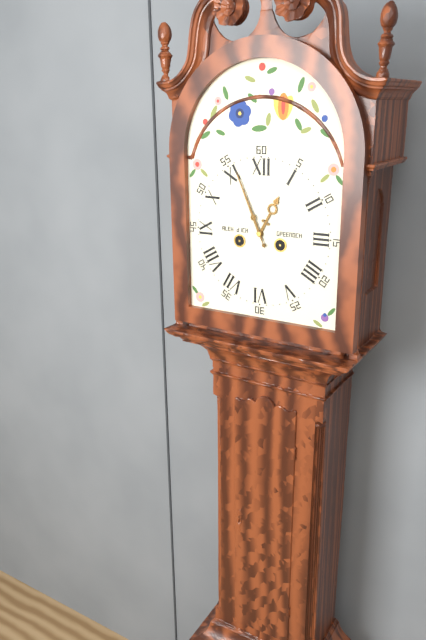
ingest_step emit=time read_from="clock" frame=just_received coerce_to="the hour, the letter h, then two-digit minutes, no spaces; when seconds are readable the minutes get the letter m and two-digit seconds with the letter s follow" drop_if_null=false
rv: 12h56
